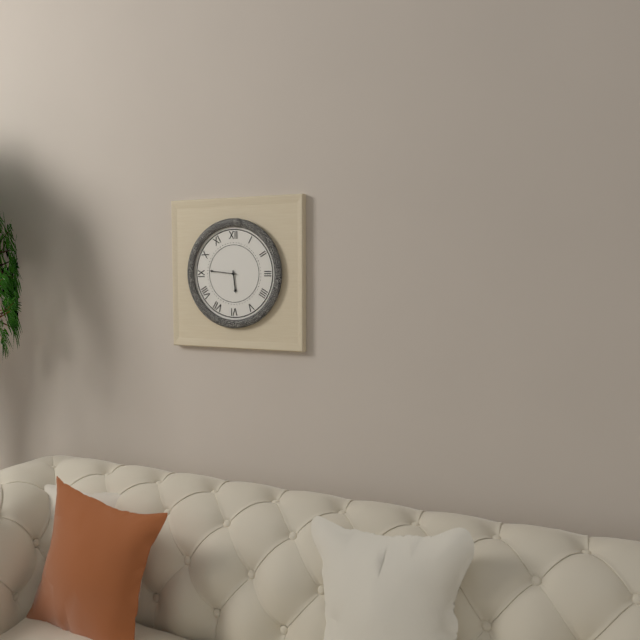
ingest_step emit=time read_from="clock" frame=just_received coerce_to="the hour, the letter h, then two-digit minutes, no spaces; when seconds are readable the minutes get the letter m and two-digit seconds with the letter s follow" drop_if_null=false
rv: 5h46
